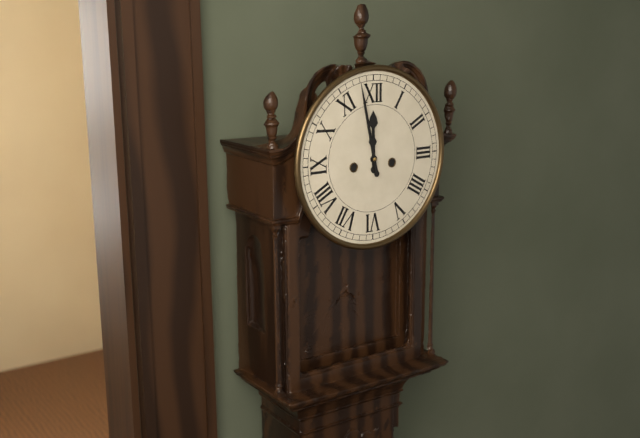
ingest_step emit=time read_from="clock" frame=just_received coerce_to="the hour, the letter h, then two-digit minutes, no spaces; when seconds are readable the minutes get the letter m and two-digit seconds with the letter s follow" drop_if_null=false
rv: 11h58
